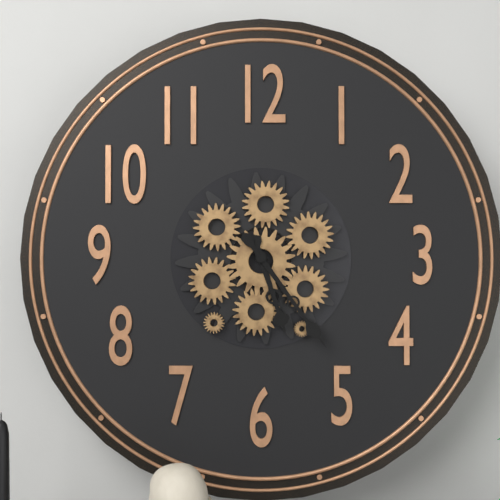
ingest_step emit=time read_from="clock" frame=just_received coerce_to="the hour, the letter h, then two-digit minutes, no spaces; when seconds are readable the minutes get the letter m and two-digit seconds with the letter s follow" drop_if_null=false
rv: 5h24
